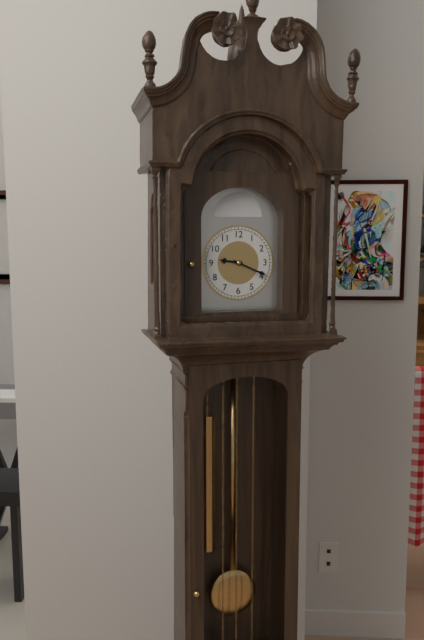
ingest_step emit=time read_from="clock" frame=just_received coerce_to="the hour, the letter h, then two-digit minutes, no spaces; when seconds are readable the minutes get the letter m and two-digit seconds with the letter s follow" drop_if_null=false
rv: 9h19
